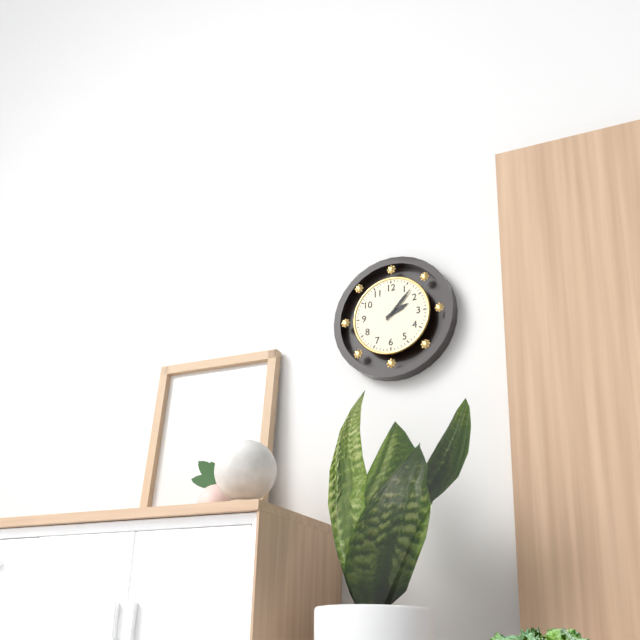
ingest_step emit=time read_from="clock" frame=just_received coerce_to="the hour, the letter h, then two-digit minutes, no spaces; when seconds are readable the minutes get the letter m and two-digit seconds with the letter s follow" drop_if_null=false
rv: 2h07
